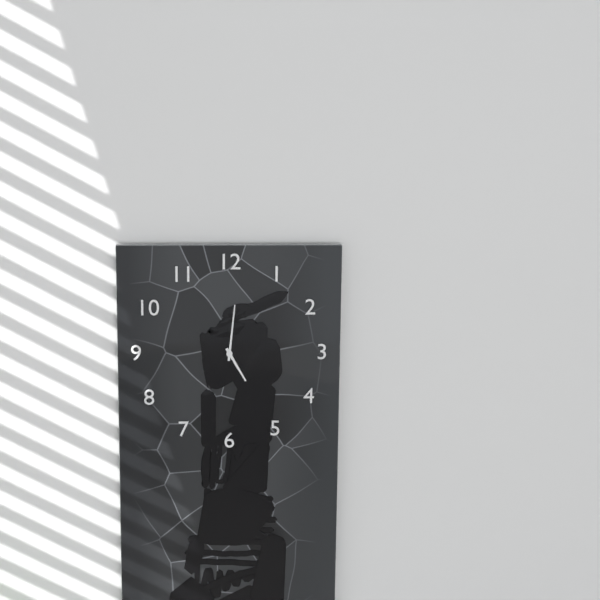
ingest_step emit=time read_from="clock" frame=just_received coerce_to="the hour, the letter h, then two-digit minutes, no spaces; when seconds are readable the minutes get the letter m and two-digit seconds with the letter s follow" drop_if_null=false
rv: 5h01
